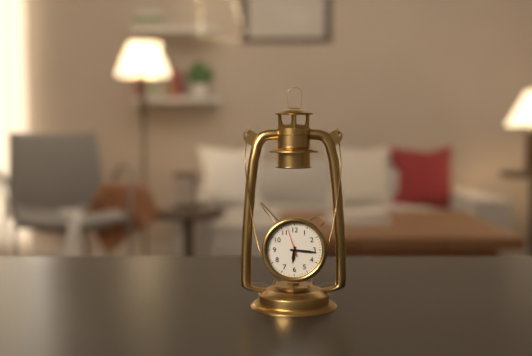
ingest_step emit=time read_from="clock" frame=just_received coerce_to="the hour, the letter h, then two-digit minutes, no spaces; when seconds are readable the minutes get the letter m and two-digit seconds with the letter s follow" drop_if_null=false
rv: 6h16
